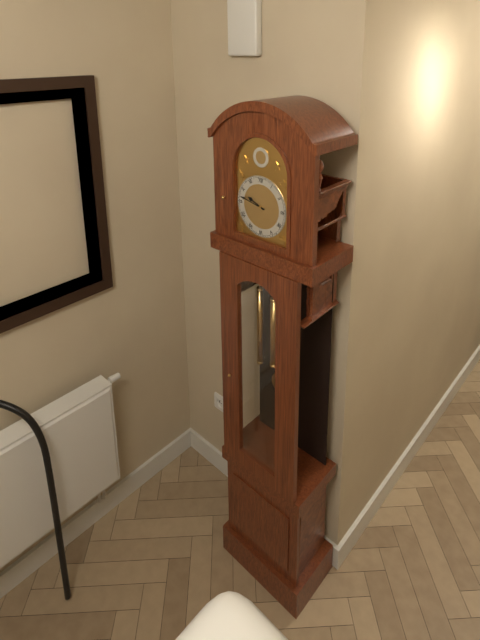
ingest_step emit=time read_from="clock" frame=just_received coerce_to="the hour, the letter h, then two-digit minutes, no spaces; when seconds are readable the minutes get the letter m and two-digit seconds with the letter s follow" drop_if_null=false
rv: 9h47
